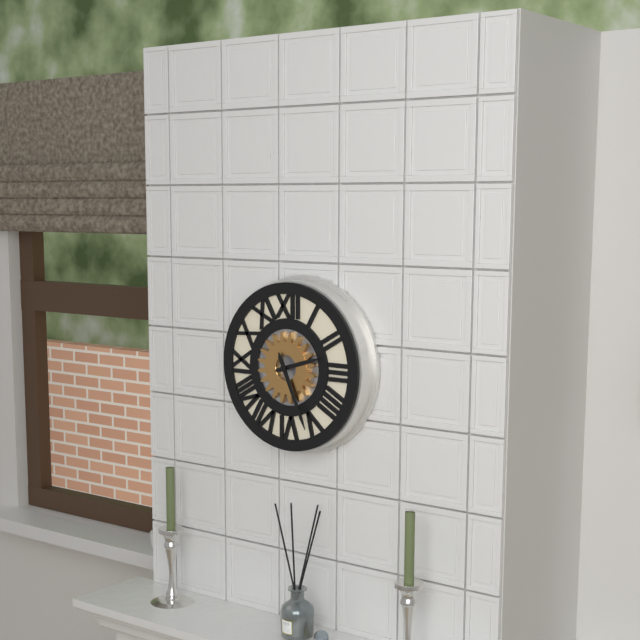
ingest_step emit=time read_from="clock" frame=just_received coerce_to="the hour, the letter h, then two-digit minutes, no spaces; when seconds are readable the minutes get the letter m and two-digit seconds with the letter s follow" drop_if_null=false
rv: 2h26
